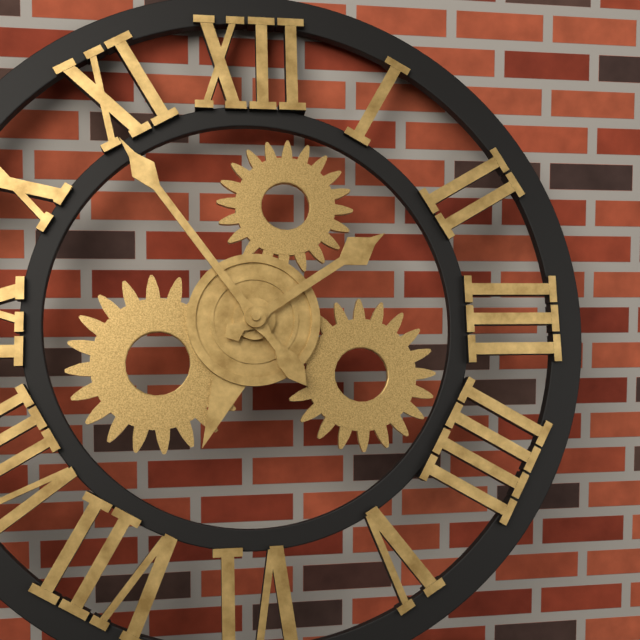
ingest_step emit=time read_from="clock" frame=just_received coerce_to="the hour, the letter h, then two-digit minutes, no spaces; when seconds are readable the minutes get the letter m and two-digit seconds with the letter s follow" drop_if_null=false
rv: 1h54
